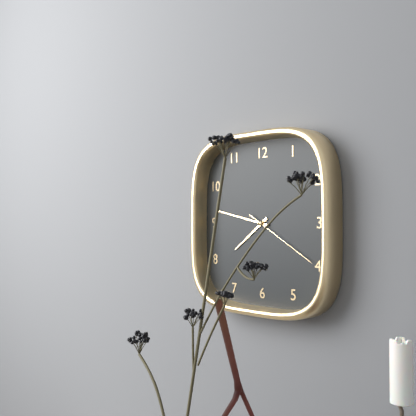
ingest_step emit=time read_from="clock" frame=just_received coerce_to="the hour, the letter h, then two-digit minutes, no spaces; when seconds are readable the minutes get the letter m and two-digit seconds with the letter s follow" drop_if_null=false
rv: 7h47m20s
